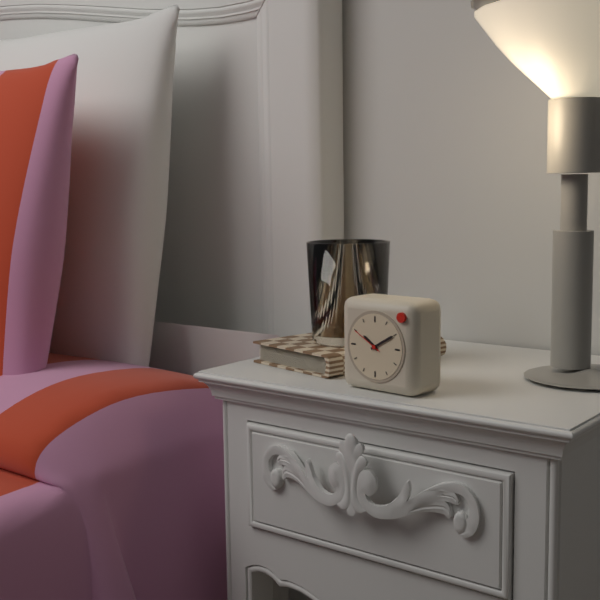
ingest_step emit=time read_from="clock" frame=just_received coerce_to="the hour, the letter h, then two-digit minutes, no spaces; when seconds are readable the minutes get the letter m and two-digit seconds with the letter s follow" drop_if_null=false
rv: 10h10
